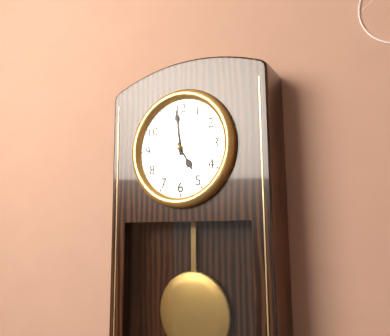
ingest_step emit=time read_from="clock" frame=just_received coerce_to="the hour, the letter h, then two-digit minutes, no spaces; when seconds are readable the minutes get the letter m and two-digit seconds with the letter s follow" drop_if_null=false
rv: 4h59
